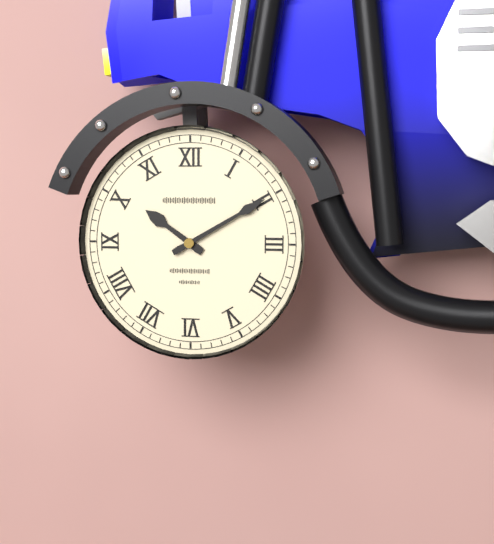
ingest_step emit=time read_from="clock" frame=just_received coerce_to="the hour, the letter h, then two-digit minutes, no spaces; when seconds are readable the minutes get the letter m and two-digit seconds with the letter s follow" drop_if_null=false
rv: 10h10
